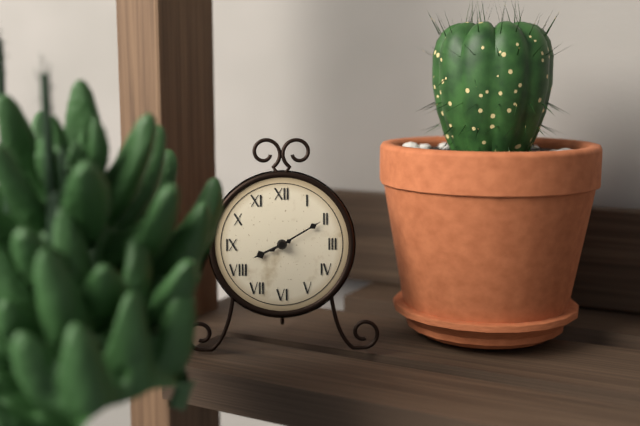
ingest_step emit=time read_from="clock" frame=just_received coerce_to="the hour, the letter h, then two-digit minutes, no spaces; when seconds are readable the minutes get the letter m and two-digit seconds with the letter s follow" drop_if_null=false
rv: 8h10
